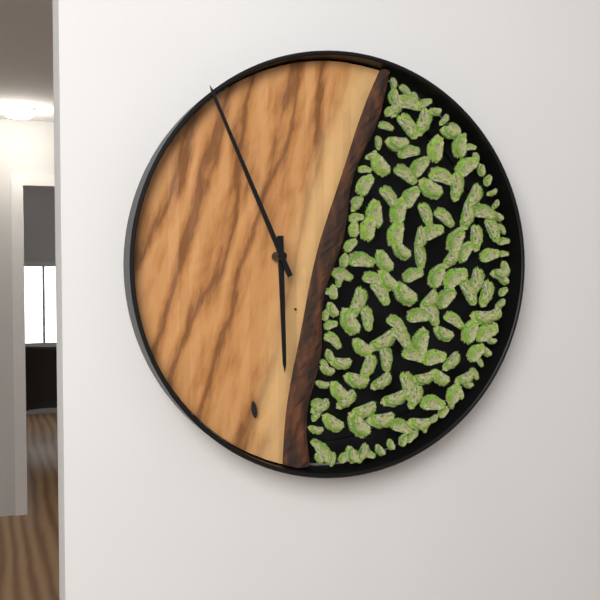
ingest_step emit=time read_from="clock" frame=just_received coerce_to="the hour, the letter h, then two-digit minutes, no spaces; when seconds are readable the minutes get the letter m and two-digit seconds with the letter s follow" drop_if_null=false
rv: 5h56
